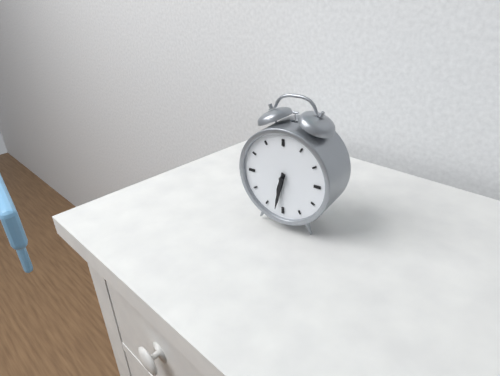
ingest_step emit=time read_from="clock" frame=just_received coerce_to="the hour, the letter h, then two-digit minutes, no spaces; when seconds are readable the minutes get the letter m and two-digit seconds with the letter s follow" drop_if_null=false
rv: 6h32
